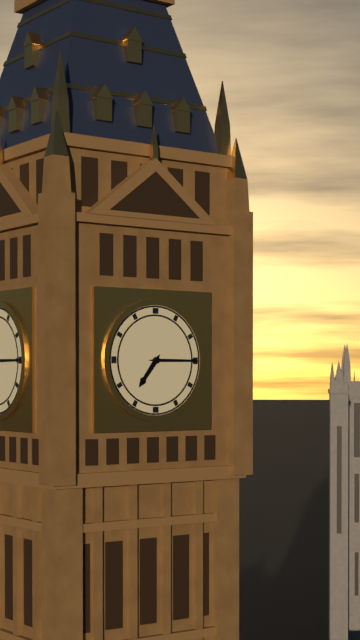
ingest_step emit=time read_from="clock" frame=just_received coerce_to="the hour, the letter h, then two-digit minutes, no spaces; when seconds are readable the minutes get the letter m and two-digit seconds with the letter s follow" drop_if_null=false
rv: 7h15
